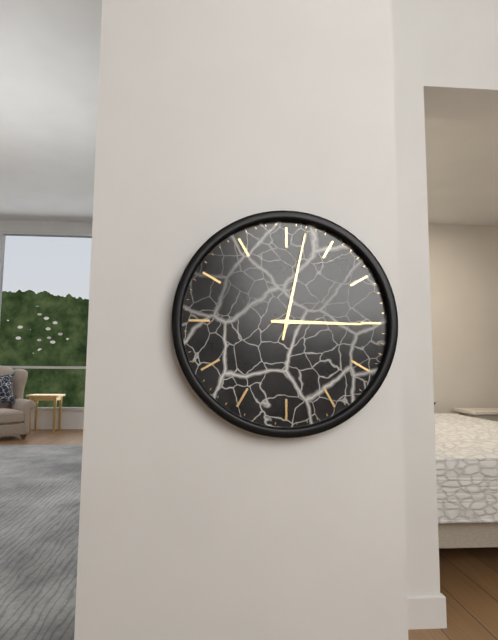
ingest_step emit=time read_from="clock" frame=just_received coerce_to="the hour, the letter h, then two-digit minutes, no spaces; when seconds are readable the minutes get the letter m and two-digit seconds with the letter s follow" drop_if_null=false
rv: 3h02
